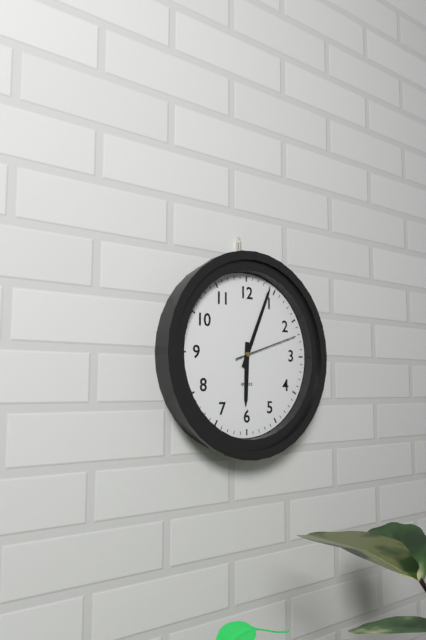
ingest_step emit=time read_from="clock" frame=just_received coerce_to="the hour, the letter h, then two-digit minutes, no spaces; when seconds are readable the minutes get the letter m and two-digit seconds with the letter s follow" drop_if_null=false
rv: 6h04m12s
